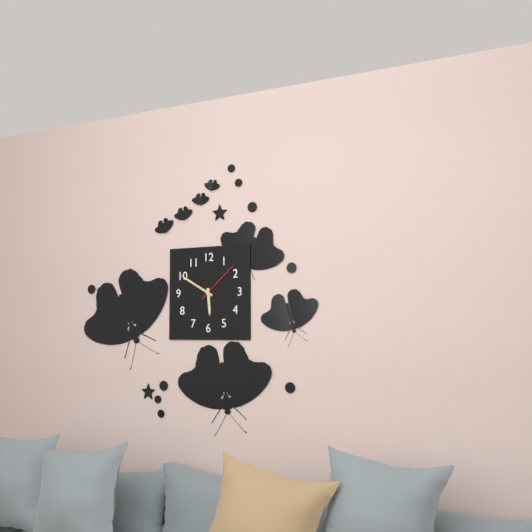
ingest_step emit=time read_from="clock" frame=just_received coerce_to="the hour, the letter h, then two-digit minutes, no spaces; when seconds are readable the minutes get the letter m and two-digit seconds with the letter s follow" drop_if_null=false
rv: 5h50
